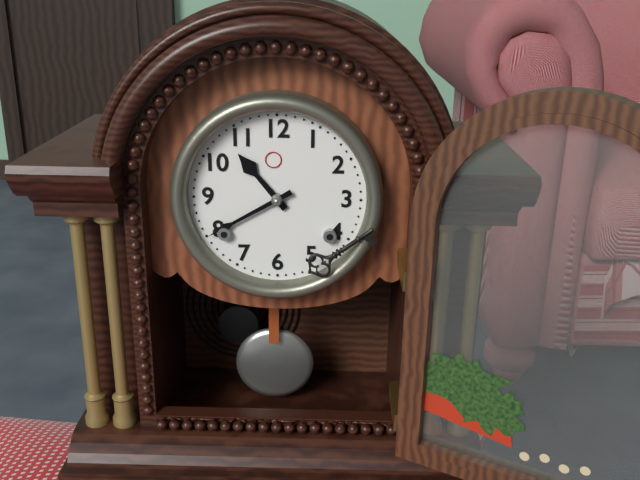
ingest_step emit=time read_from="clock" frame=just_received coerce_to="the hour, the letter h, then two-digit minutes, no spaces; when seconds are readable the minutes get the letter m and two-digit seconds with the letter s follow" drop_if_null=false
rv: 10h40
